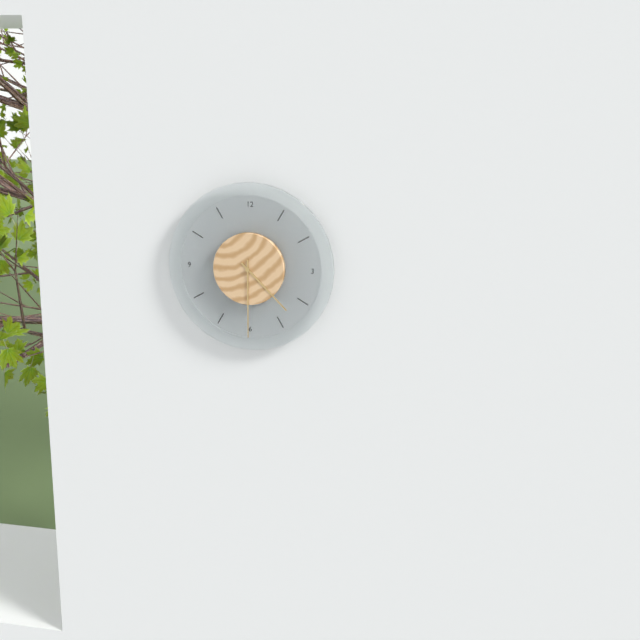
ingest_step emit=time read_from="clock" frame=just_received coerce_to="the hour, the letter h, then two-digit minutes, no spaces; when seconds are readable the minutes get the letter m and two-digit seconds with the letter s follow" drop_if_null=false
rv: 4h30
